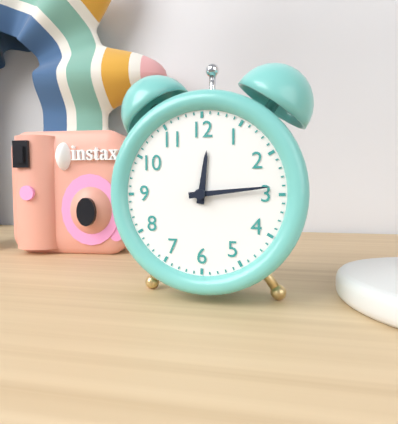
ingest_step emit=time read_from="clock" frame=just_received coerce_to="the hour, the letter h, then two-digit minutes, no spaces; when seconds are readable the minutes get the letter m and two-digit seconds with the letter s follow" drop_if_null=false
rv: 12h14
